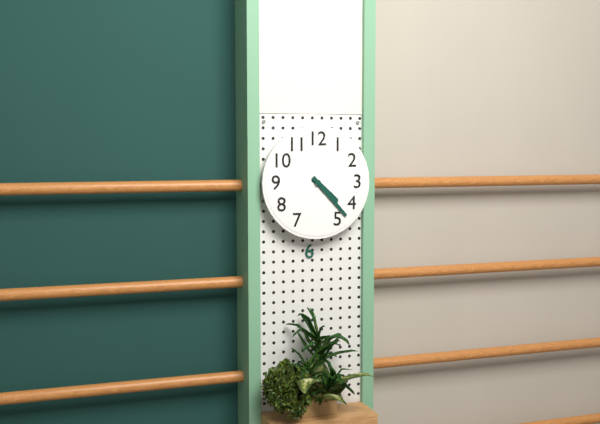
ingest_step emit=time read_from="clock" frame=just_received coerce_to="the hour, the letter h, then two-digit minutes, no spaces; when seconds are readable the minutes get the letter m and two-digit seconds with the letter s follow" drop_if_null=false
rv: 4h23
